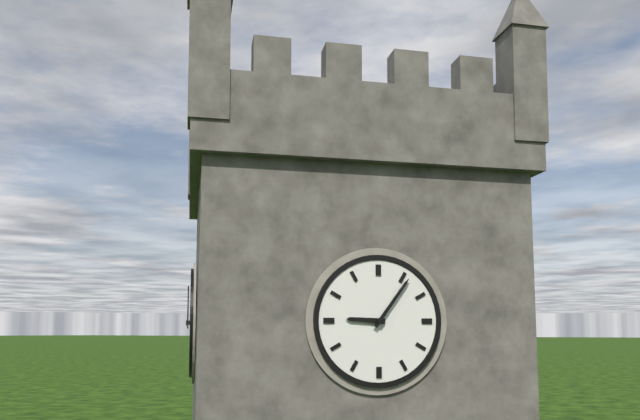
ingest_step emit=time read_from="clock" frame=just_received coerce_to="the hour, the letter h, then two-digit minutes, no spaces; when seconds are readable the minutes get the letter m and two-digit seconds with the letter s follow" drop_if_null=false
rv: 9h06
